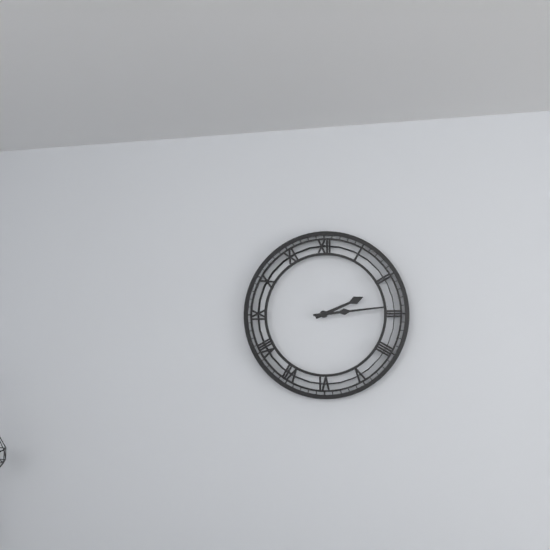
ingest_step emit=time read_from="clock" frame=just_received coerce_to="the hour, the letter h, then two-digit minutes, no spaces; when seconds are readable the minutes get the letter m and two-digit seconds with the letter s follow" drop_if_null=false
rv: 2h14
